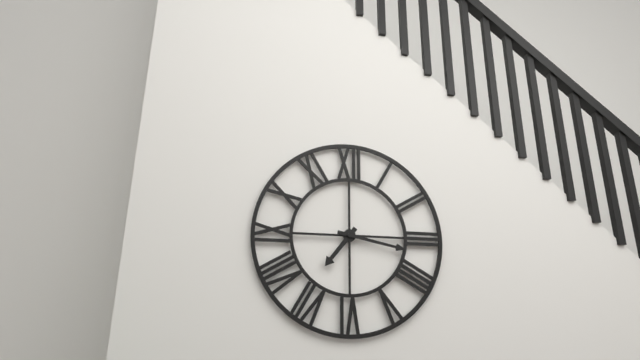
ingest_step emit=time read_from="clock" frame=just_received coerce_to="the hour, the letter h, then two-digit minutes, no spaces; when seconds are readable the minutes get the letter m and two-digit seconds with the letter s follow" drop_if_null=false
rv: 7h17
